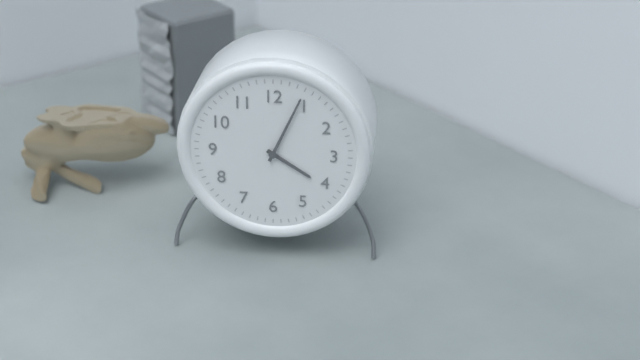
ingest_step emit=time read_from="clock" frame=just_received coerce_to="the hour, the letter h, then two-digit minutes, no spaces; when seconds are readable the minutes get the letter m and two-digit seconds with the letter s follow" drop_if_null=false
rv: 4h04
